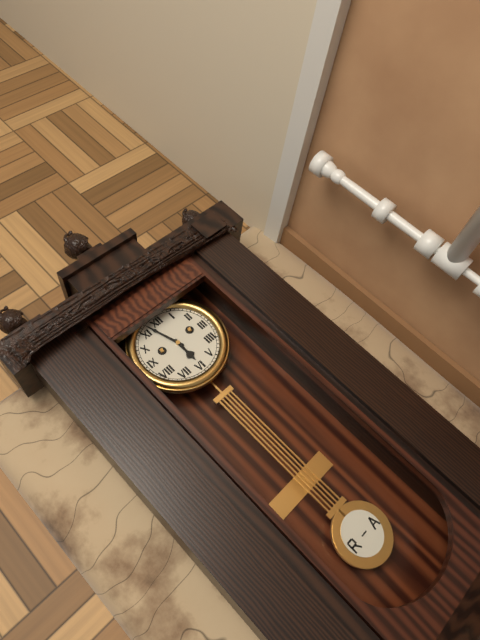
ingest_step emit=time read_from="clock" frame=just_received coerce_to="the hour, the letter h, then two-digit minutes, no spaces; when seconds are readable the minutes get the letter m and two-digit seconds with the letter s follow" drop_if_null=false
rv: 5h57
